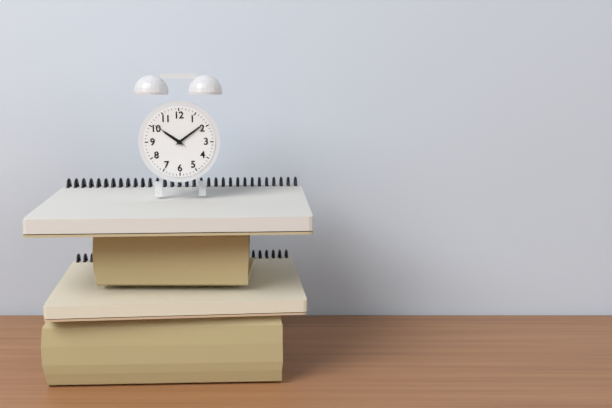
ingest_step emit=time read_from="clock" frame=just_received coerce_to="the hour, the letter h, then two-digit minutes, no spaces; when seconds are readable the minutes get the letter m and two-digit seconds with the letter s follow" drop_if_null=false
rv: 10h09
